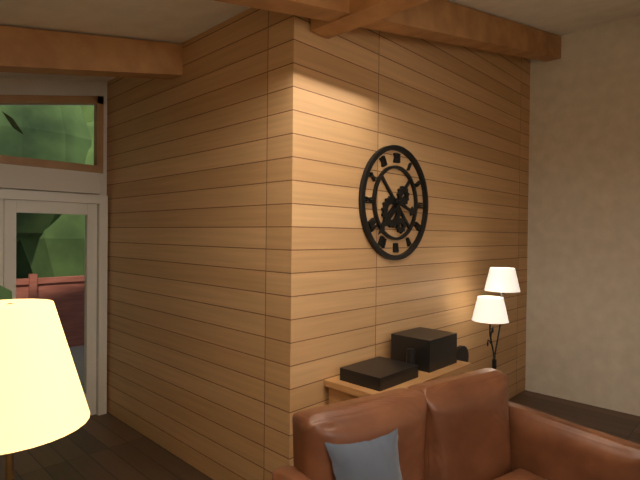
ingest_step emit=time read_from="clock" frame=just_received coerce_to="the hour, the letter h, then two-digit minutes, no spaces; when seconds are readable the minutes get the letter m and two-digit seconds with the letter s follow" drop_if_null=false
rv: 3h38
